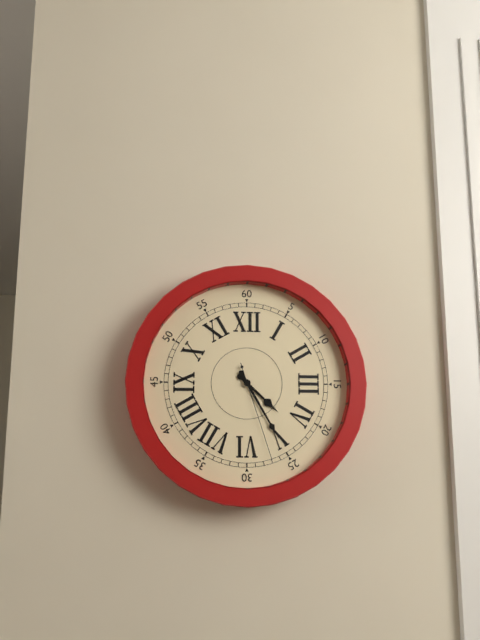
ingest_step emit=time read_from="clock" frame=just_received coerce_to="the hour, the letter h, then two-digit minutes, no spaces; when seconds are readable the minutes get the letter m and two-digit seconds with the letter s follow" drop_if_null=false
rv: 4h25m27s
